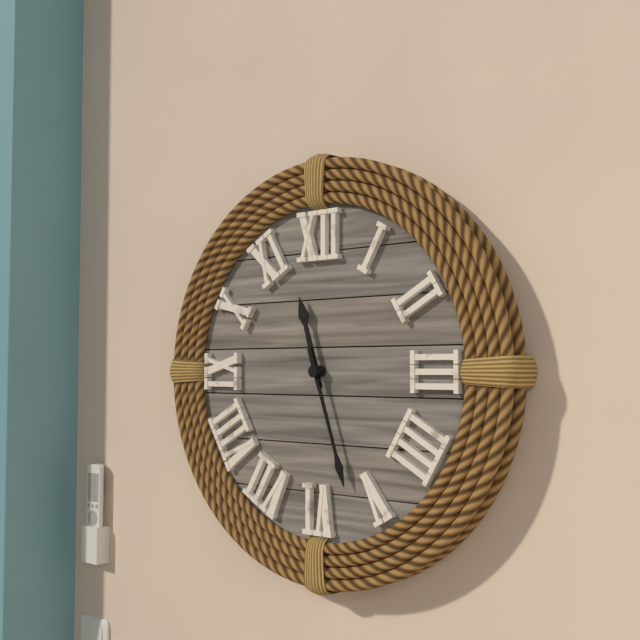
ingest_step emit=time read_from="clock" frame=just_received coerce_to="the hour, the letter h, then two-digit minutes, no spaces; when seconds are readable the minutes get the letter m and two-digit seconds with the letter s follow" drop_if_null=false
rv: 11h27
